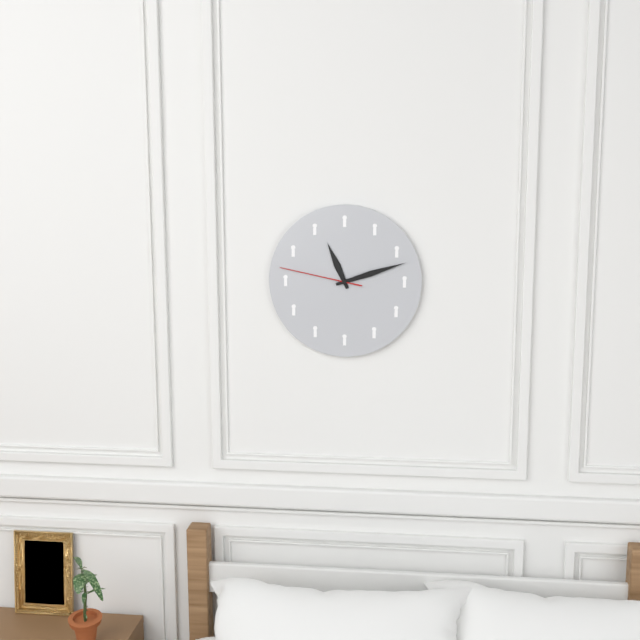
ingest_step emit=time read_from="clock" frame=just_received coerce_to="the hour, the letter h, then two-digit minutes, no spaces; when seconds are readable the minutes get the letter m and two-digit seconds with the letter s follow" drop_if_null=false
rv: 11h12m47s
